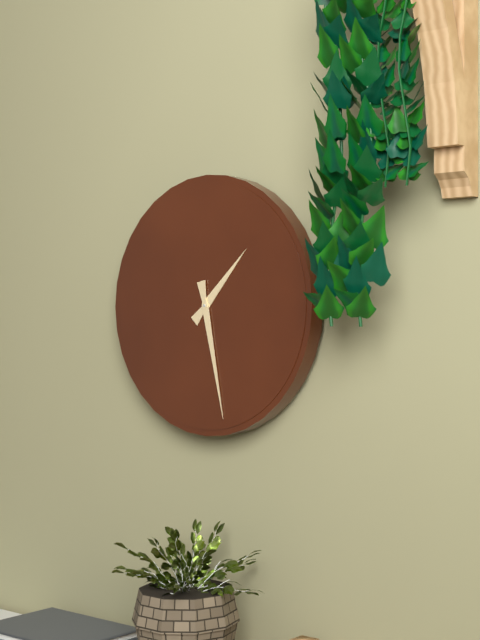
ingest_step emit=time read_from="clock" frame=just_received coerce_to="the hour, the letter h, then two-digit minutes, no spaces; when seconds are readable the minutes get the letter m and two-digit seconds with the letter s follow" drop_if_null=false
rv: 1h28
